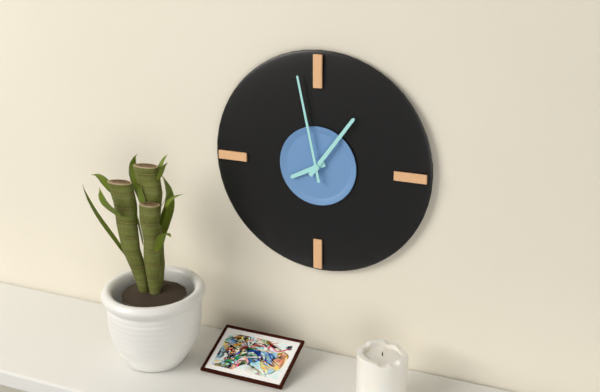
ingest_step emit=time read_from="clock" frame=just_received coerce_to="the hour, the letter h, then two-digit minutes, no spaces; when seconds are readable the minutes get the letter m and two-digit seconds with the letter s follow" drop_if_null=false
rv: 8h06m58s
